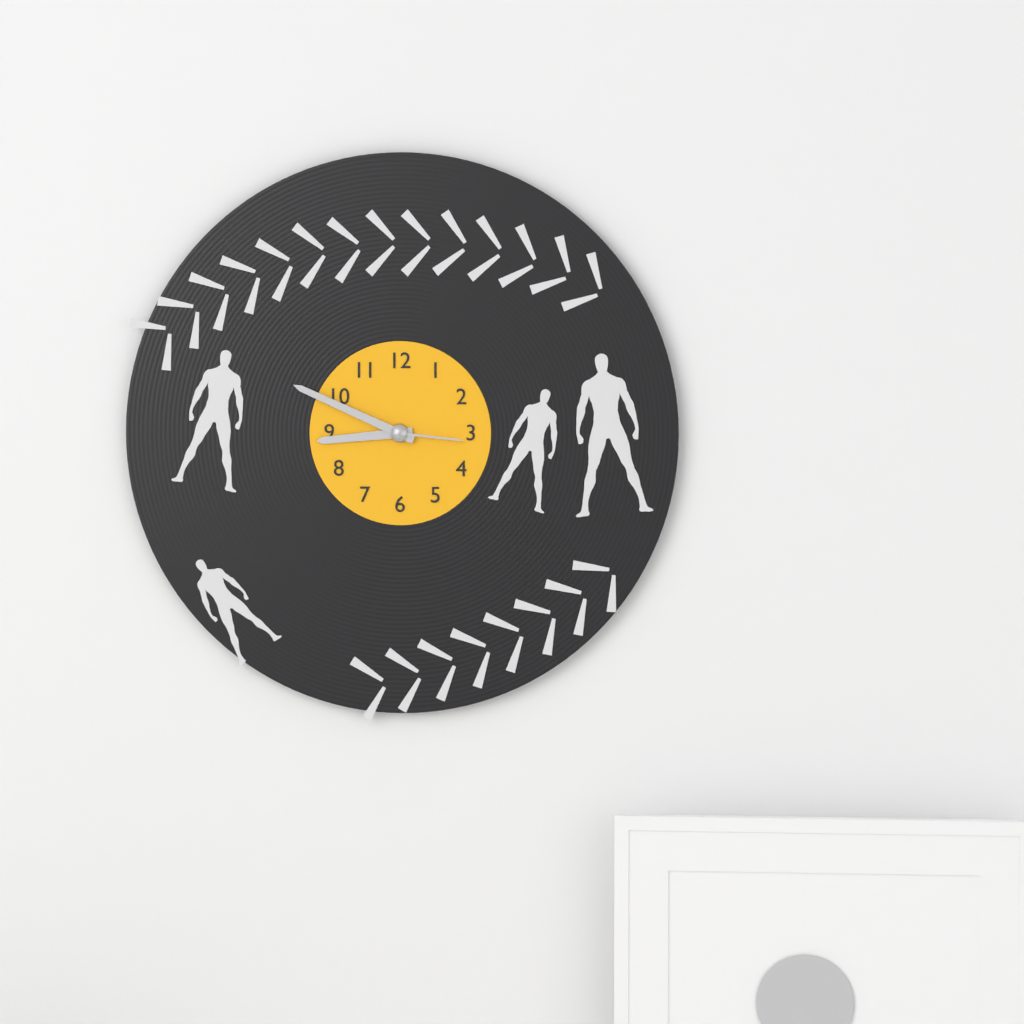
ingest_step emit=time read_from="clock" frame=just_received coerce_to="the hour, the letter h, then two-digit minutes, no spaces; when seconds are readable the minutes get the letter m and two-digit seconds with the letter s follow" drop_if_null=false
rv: 8h49m16s
